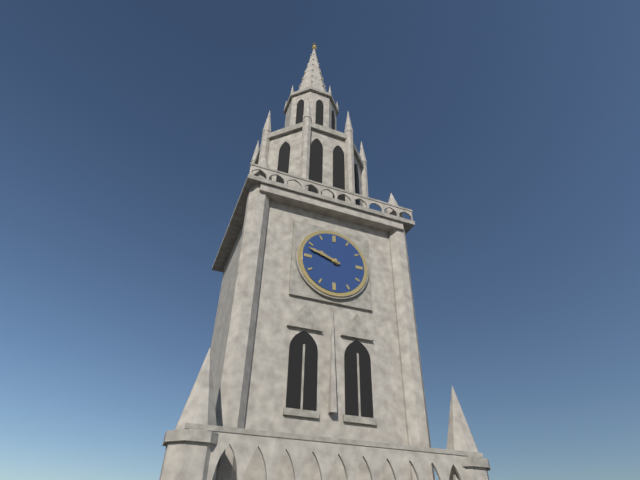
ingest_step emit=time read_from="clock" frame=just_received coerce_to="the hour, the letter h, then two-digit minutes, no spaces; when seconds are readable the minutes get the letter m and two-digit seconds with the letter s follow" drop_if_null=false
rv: 9h48
